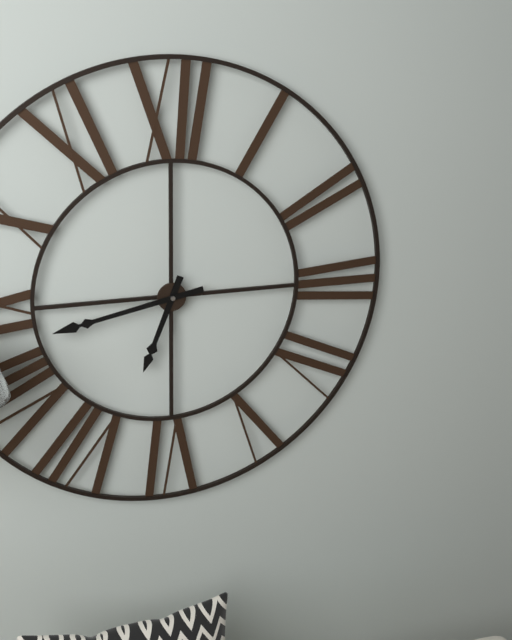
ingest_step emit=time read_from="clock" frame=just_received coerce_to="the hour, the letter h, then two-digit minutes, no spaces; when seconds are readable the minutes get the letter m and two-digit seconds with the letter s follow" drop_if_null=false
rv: 6h43
